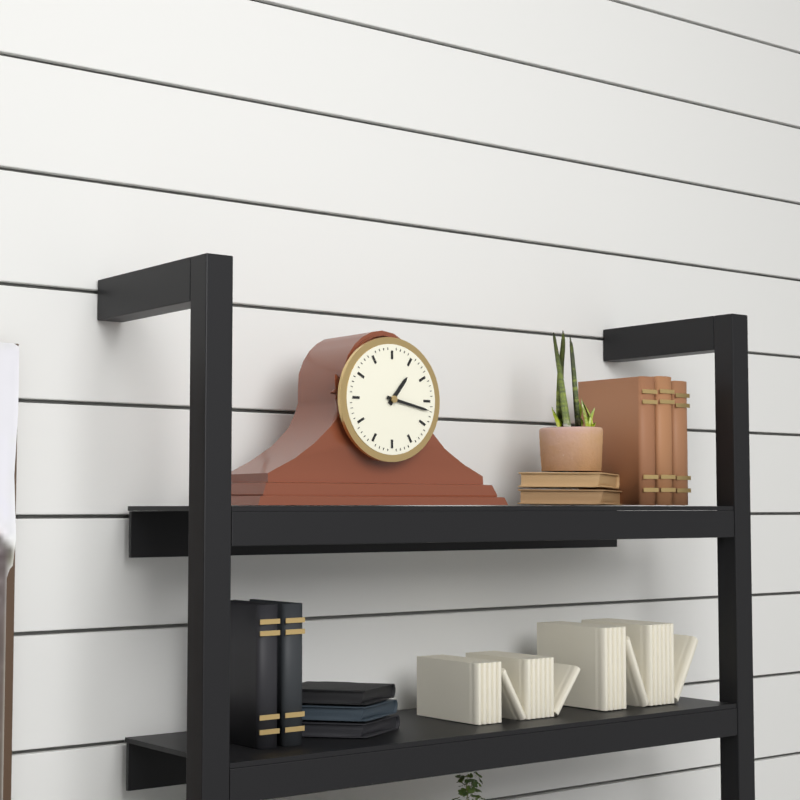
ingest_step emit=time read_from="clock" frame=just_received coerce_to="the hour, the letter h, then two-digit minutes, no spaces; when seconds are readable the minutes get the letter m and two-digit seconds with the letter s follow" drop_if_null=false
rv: 1h17
